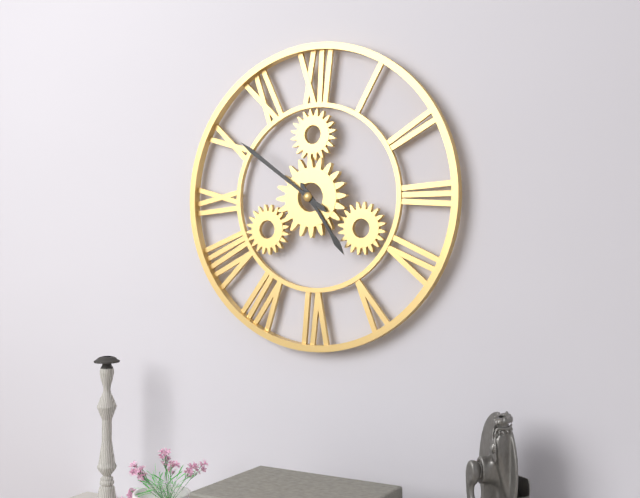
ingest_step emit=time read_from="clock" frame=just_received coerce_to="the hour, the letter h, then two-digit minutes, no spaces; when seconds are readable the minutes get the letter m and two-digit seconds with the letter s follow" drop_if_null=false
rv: 4h51
